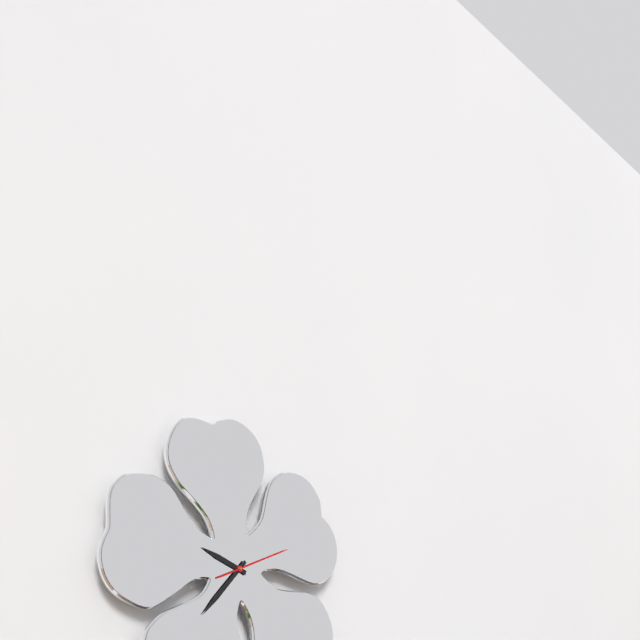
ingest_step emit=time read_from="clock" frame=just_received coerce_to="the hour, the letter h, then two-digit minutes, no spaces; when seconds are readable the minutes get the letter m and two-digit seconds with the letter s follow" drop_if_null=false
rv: 9h37m11s
